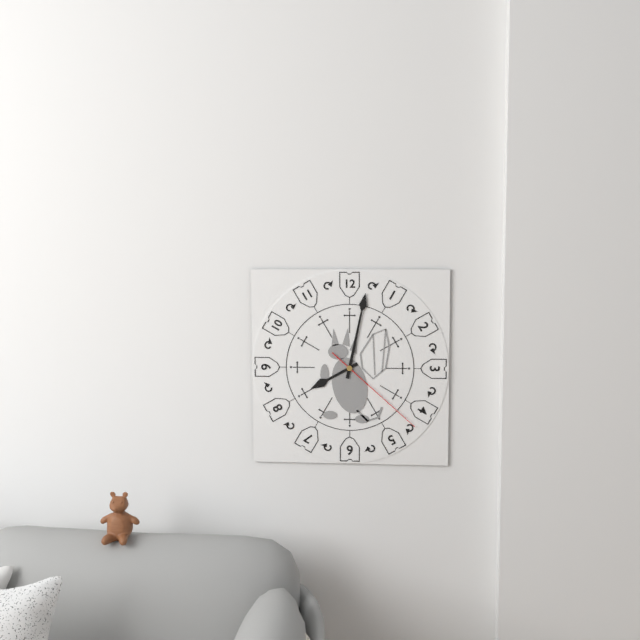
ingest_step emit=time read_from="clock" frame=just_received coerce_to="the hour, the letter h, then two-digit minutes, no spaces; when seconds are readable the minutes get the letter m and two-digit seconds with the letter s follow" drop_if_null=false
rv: 8h02m22s
